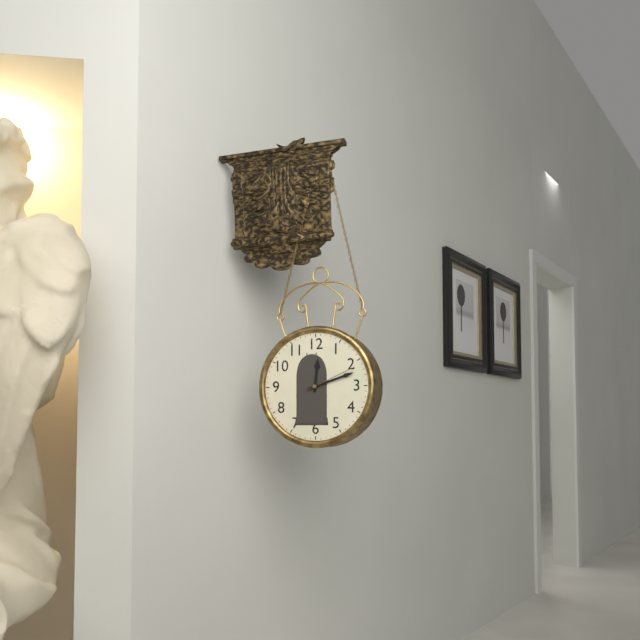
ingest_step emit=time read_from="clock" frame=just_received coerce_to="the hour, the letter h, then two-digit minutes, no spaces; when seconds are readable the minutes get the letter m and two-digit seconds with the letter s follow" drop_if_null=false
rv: 12h12m11s
